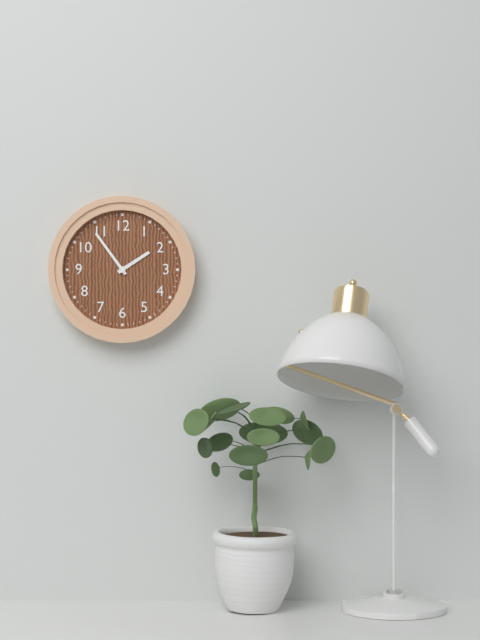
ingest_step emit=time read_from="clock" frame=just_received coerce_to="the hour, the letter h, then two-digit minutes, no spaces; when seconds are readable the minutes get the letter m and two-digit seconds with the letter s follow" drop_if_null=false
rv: 1h54
